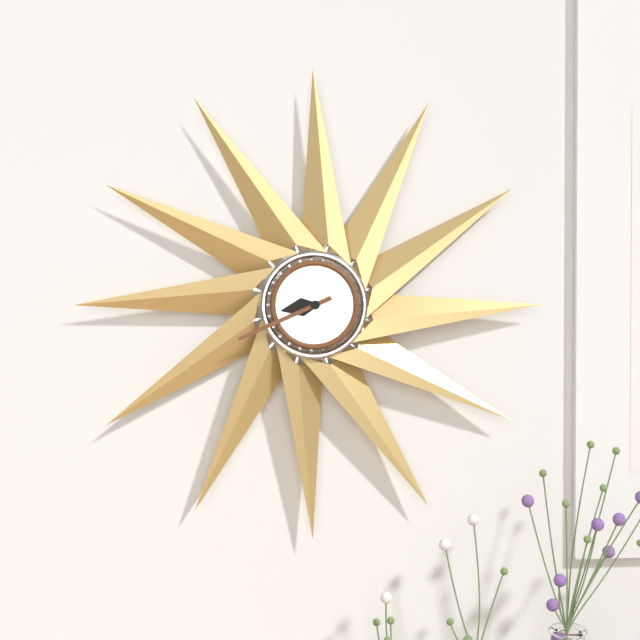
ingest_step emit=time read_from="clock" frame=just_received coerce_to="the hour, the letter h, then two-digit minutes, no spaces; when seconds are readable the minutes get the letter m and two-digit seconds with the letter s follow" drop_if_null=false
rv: 8h41
